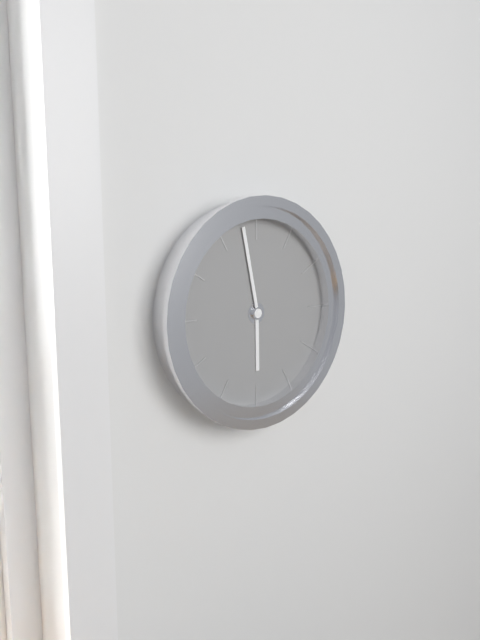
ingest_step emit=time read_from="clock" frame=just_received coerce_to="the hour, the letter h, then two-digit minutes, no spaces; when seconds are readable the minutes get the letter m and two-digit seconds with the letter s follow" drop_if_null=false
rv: 5h58
